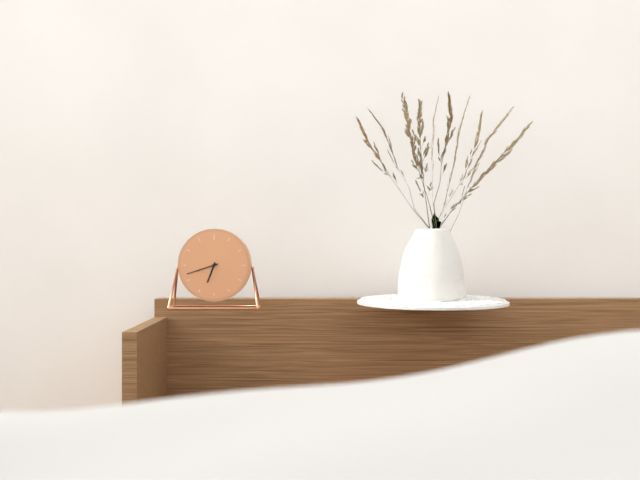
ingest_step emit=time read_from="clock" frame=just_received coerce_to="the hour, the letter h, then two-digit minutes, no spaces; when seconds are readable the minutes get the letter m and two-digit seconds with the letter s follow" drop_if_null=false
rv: 6h42
